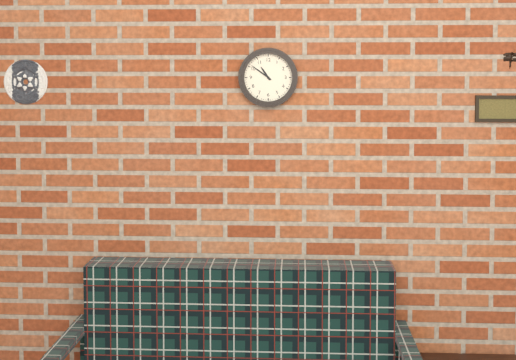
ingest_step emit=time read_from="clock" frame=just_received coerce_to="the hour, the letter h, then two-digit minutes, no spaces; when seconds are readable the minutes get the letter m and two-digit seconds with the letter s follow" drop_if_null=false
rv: 10h51
